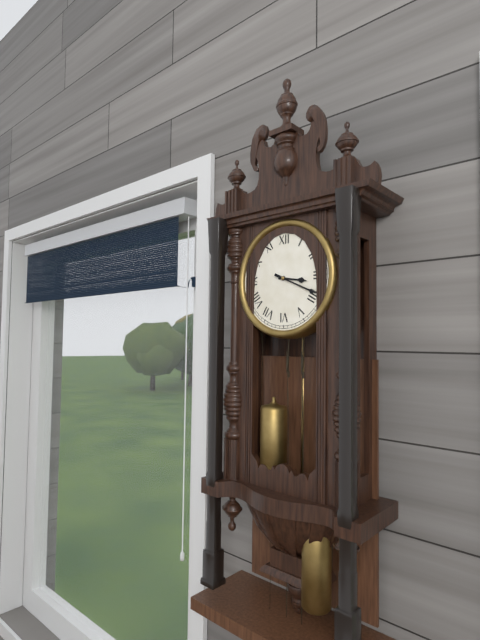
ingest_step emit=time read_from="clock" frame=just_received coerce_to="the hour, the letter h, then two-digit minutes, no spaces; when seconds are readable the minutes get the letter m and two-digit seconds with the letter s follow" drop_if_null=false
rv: 3h19
